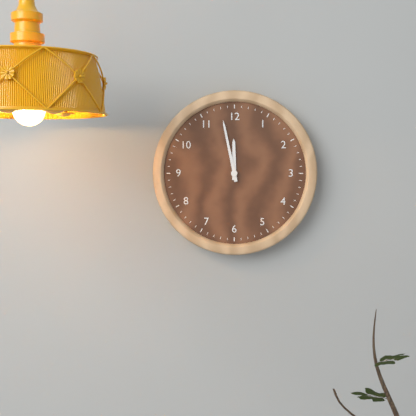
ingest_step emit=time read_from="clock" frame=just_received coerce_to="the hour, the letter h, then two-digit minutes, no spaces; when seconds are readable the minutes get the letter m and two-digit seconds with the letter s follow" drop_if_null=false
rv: 11h58
